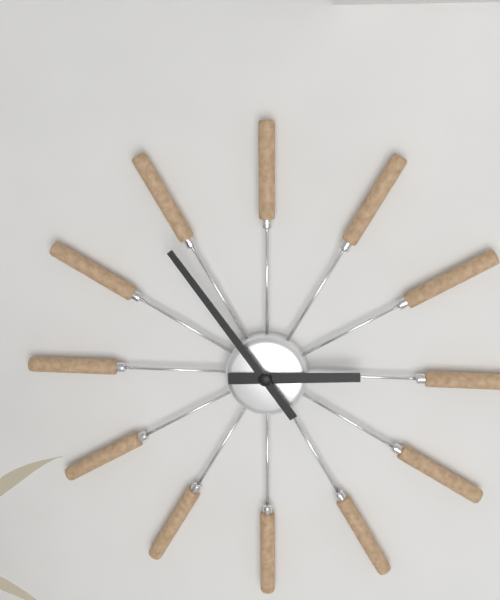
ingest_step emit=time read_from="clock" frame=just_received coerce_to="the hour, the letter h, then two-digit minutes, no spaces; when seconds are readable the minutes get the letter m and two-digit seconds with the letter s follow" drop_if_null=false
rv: 2h54
